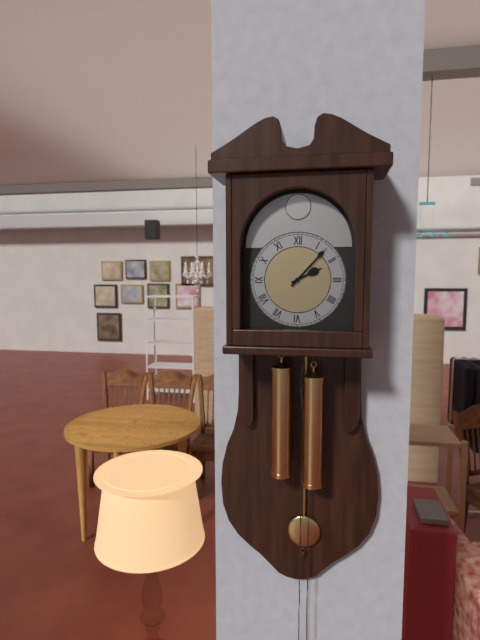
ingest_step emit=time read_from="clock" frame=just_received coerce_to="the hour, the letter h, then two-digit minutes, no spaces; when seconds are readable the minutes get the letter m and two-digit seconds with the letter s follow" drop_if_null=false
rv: 2h07
